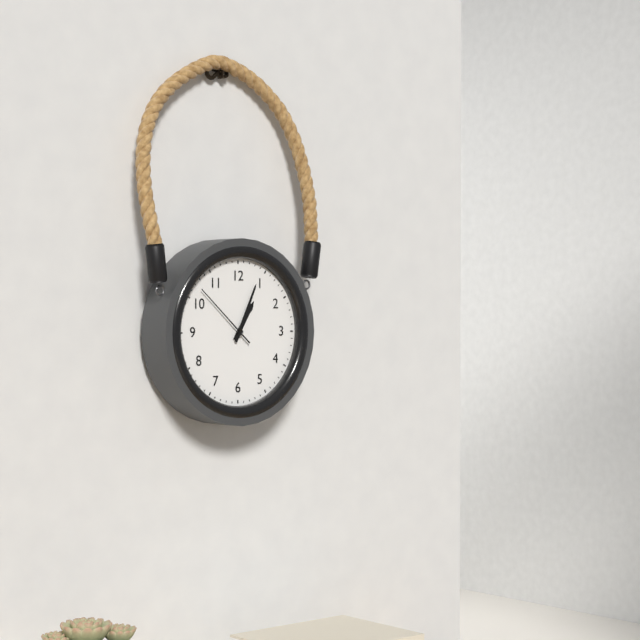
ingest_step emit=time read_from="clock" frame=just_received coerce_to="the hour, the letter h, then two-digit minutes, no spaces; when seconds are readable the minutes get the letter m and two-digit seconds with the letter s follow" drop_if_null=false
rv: 1h04m52s
